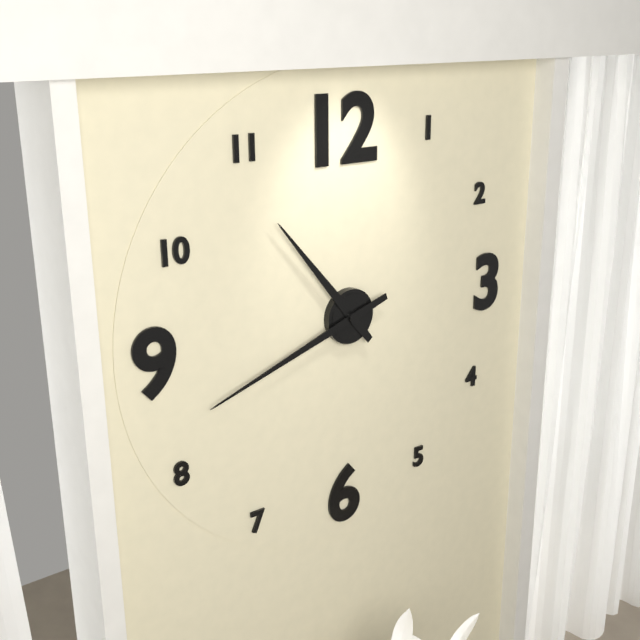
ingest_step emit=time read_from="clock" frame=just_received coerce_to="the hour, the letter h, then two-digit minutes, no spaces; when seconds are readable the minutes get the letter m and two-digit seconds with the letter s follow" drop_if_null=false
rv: 10h42
